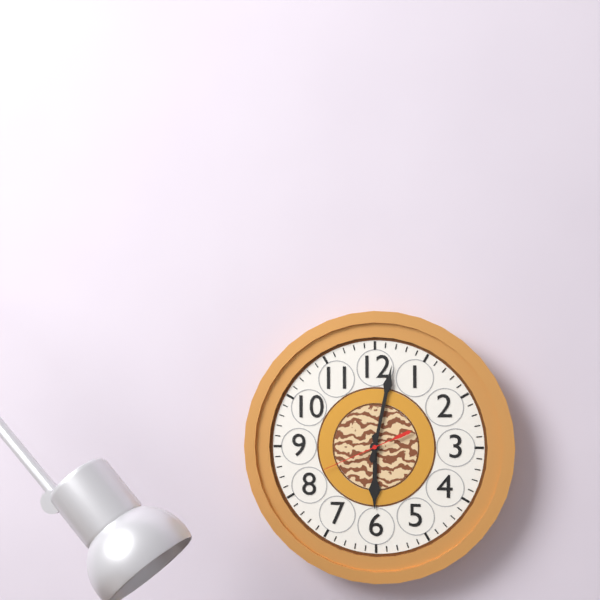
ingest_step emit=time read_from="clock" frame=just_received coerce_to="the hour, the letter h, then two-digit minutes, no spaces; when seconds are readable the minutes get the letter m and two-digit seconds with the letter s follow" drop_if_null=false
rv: 6h02m41s
